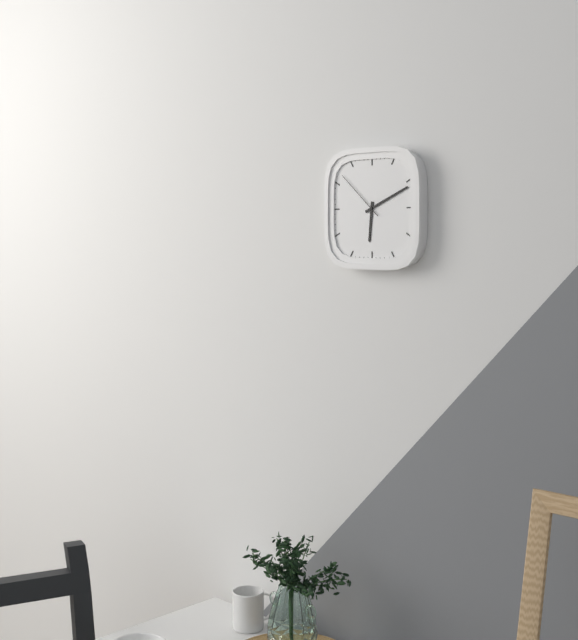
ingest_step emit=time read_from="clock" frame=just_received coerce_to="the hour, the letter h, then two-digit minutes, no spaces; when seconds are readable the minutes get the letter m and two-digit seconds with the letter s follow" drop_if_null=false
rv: 6h11m52s
